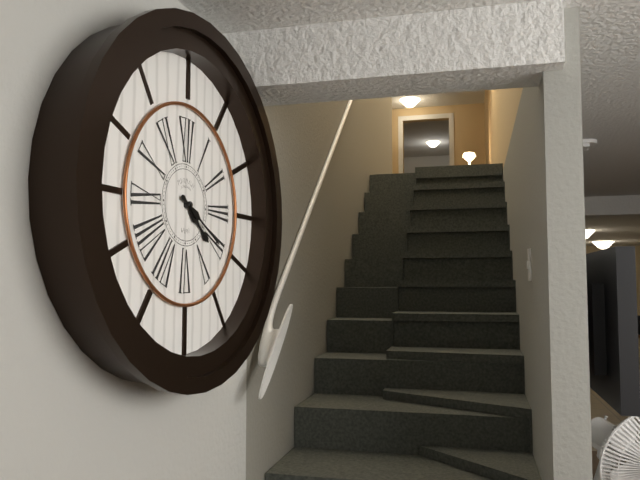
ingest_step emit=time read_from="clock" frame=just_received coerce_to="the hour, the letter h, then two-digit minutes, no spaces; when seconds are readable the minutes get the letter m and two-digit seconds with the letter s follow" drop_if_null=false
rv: 4h20
